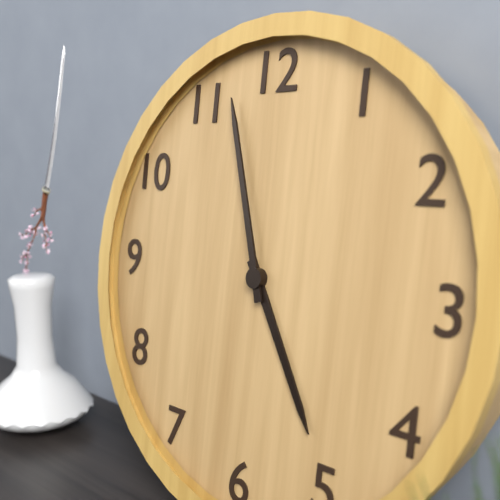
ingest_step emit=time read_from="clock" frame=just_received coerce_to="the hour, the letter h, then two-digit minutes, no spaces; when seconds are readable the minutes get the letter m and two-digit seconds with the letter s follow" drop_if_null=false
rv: 4h57
